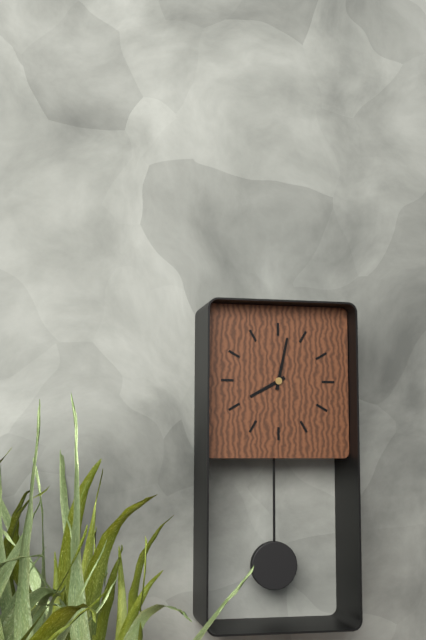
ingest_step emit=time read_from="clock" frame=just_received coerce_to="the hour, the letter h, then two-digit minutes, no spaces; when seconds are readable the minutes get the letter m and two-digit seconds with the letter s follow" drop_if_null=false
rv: 8h02
